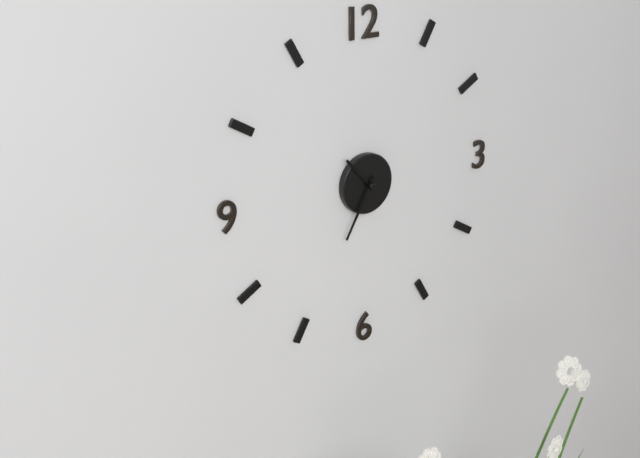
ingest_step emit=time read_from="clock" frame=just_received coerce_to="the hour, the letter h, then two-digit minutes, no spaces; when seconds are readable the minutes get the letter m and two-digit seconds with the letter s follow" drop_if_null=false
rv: 10h35
